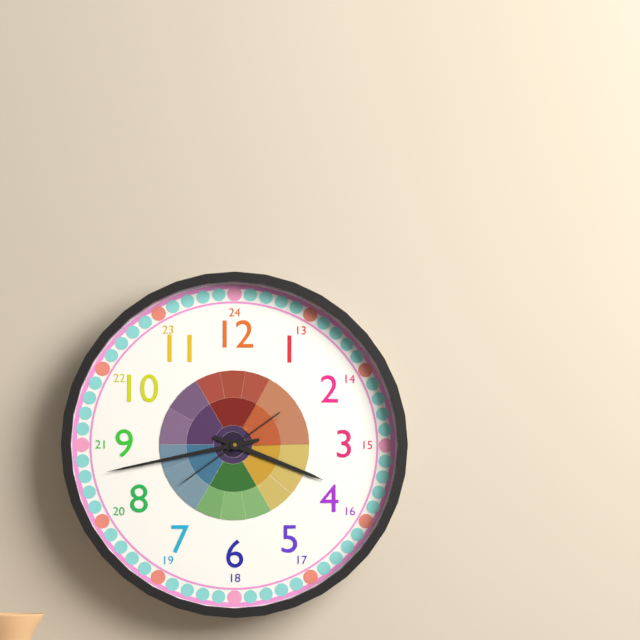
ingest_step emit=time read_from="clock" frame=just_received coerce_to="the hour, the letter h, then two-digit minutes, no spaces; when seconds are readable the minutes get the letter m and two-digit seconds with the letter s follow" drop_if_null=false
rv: 3h43m39s
